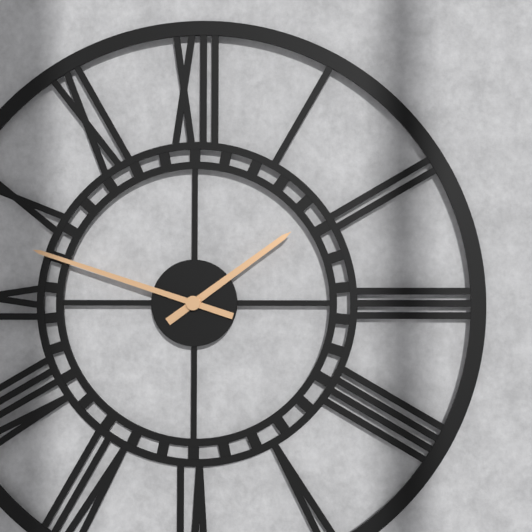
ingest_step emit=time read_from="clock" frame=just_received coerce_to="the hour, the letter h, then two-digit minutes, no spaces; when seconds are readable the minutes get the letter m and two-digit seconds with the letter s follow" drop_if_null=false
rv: 1h48
